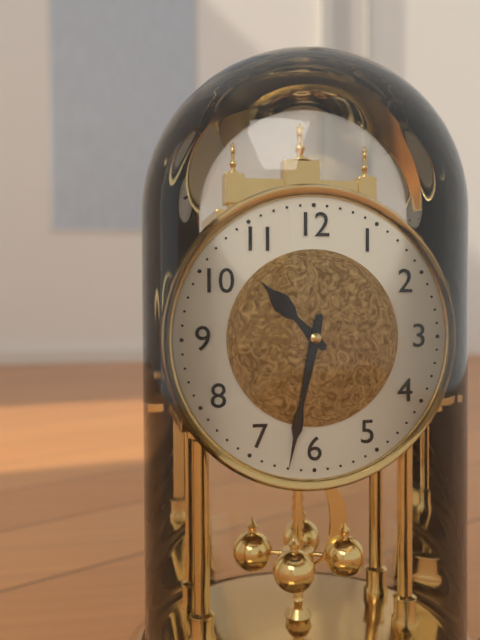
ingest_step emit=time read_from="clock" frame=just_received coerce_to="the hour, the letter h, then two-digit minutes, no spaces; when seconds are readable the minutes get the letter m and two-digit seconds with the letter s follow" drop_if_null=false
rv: 10h32
